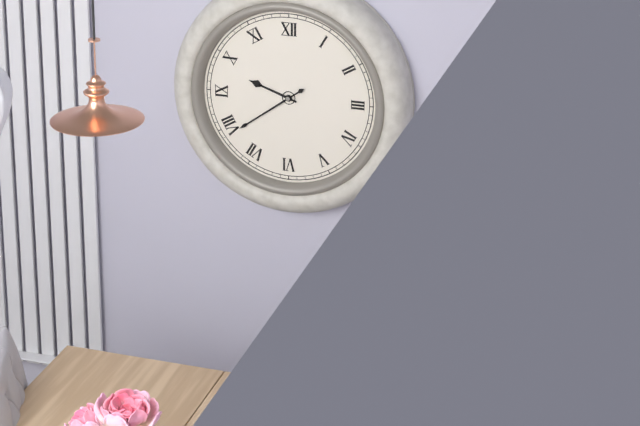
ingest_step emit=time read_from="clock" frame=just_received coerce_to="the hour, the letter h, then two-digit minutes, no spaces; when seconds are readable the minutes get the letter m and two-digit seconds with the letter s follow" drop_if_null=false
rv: 9h39
